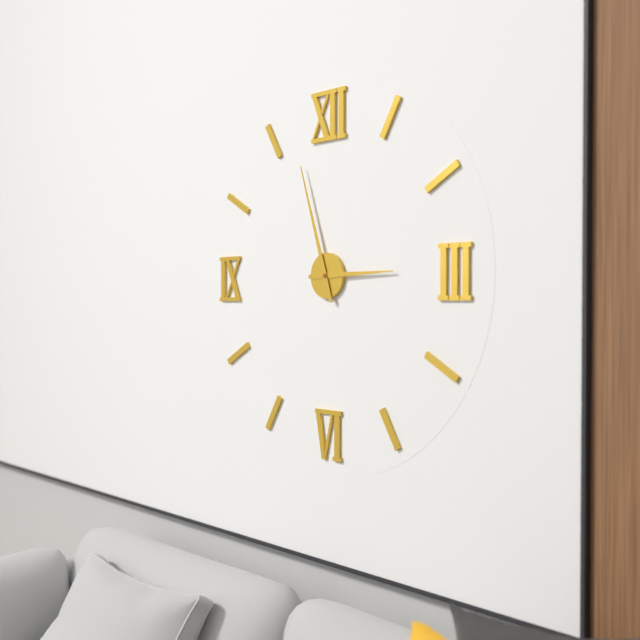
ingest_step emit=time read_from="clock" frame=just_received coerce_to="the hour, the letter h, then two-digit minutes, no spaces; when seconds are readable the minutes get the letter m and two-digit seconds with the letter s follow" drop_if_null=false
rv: 2h57
